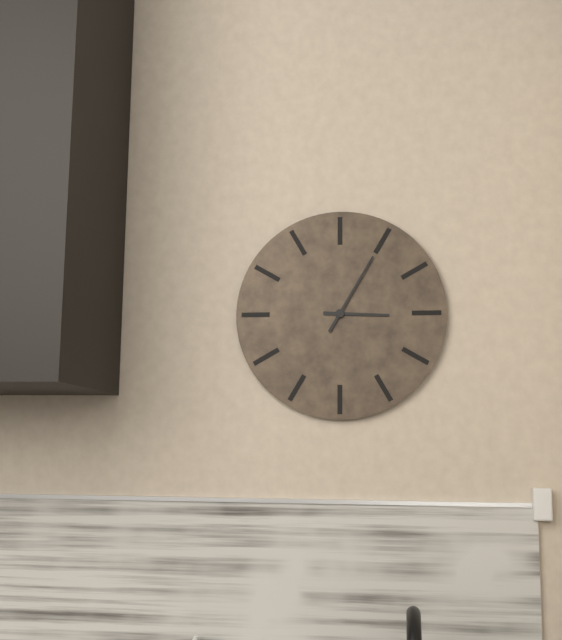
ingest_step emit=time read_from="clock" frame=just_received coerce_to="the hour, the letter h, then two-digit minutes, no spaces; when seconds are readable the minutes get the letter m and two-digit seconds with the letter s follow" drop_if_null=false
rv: 3h05
